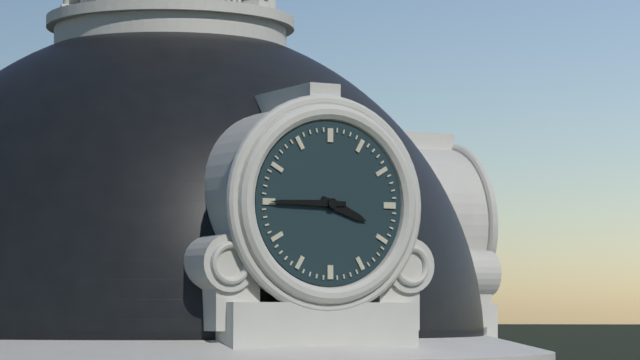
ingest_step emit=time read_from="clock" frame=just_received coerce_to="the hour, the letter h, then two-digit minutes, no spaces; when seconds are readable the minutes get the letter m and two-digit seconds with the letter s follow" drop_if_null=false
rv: 3h45
